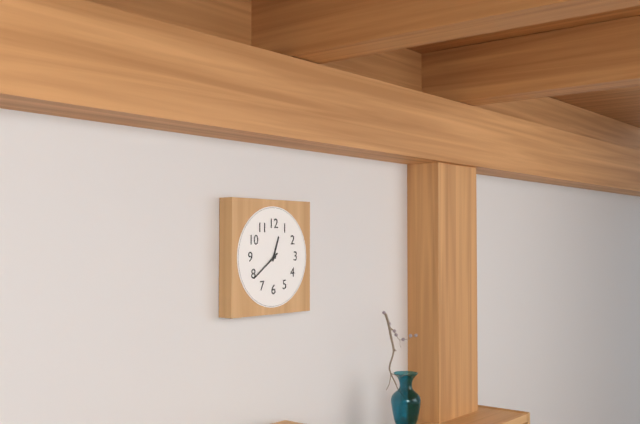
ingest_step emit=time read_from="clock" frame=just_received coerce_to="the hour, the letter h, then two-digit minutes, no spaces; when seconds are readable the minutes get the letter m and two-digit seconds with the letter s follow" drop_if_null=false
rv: 12h39
